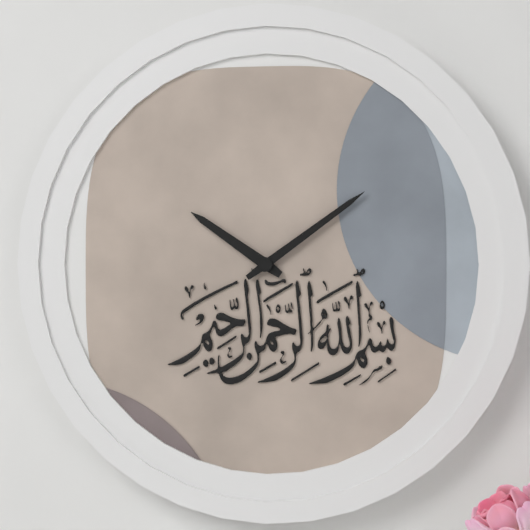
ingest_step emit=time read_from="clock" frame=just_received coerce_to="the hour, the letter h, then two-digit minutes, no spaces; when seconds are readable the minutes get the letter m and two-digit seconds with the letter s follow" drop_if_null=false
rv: 10h09
